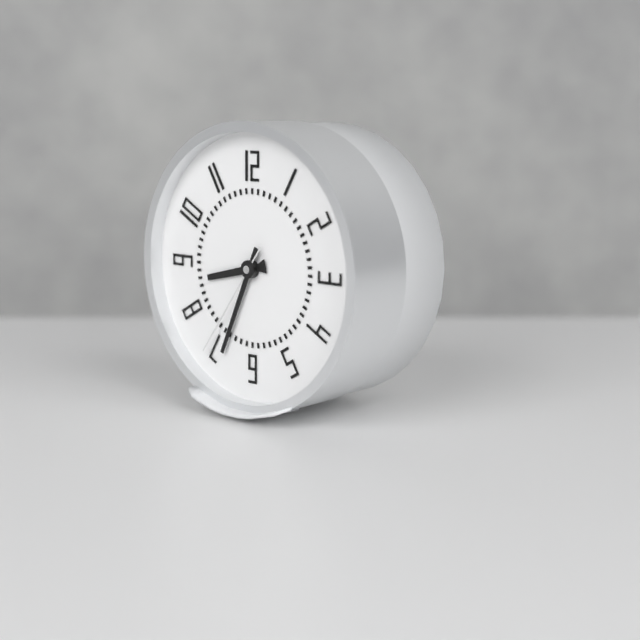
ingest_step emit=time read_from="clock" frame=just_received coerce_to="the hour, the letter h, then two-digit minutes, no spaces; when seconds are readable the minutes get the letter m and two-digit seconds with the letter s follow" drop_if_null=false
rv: 8h34m36s
